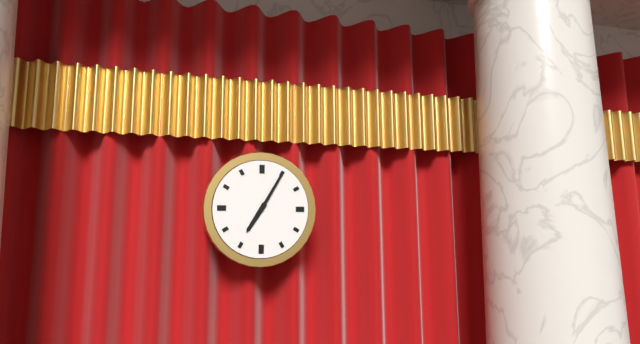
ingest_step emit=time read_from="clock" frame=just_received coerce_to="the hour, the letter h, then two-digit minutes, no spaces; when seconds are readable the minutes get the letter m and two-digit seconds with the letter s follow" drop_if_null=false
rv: 7h05
